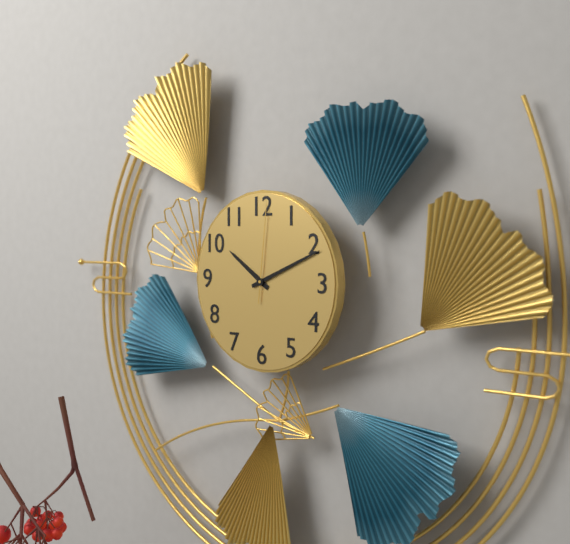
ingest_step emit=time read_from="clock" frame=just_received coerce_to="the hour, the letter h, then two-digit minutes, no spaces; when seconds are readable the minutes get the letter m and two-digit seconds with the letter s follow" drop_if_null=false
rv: 10h11m01s
